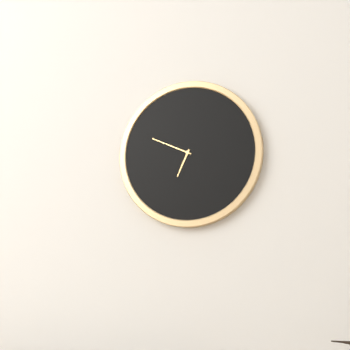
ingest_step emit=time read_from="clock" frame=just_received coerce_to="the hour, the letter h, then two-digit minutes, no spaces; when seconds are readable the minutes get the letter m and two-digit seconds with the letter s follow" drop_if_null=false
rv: 6h49
